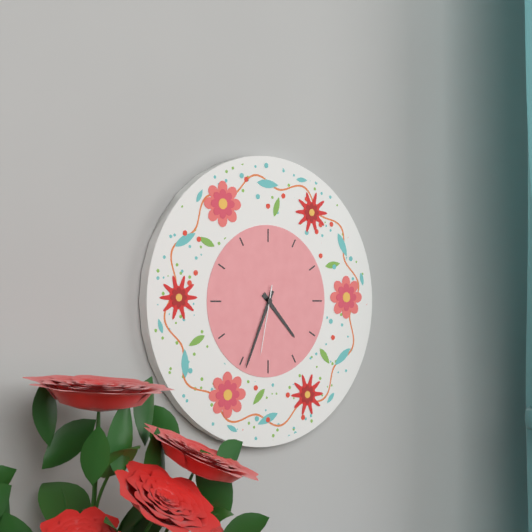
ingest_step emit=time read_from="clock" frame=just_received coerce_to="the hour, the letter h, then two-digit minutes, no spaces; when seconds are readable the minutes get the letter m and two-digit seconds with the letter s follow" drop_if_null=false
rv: 4h34m32s
